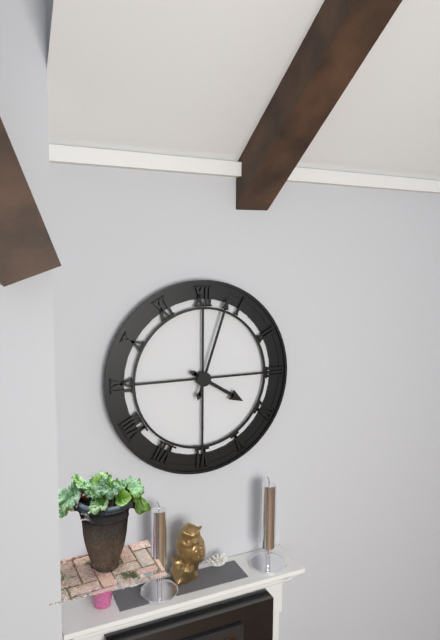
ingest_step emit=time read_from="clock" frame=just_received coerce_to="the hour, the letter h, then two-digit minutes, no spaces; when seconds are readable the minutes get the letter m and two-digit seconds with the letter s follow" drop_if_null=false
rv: 4h03
